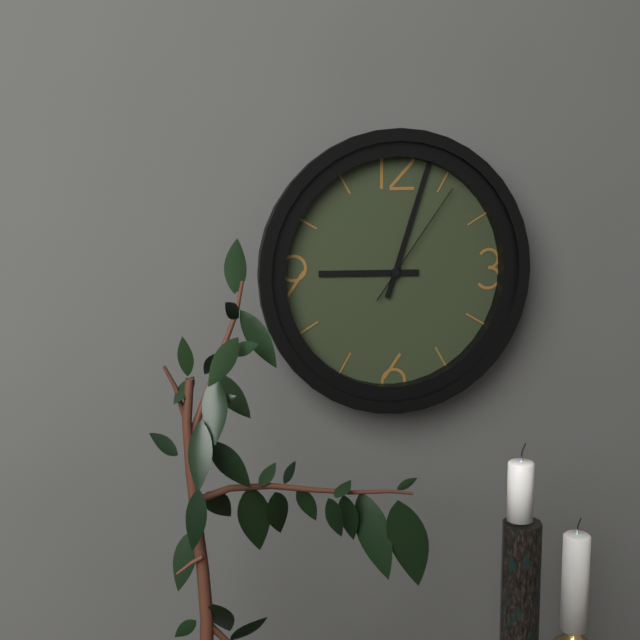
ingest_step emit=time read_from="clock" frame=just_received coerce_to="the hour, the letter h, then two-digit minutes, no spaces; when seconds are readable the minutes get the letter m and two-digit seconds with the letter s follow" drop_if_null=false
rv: 9h03m06s
